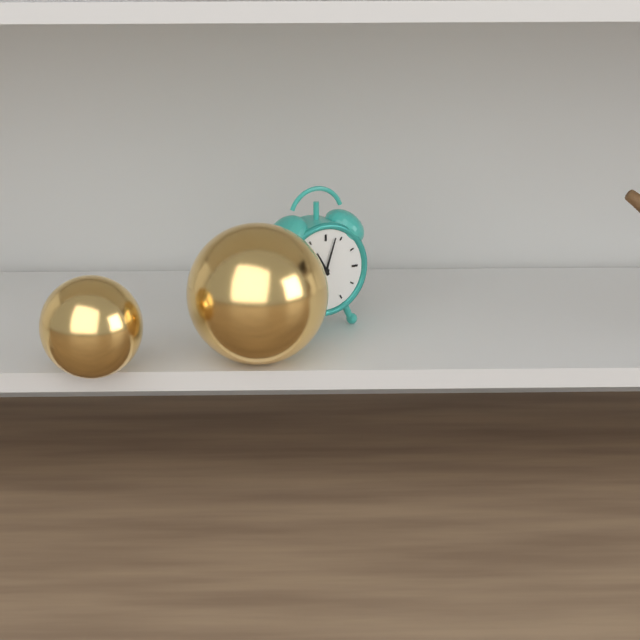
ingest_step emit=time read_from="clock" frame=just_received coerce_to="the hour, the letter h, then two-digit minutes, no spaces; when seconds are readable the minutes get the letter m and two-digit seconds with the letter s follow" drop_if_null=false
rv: 11h03
